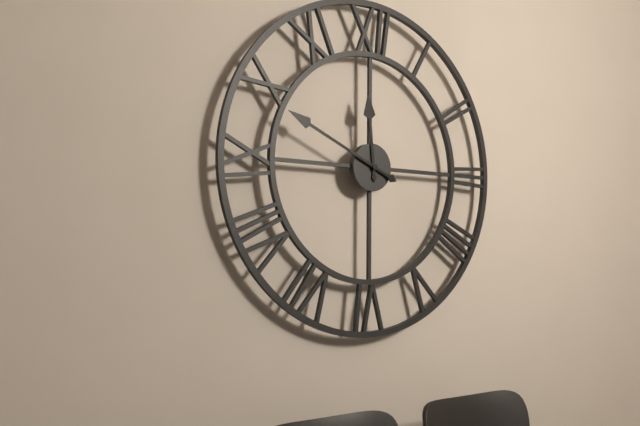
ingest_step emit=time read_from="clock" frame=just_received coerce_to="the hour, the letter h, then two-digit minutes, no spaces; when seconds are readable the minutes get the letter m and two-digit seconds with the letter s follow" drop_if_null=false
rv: 11h49
